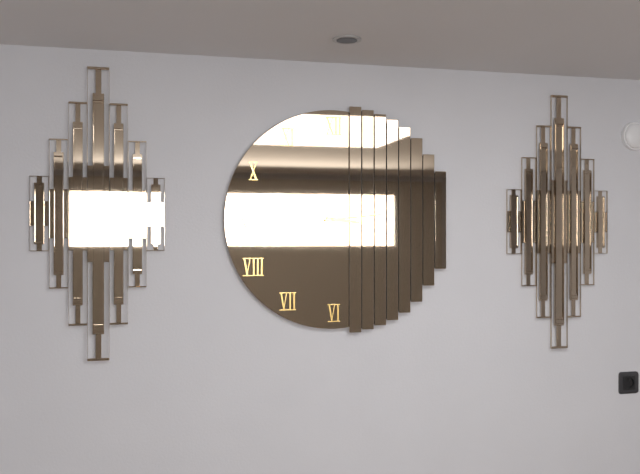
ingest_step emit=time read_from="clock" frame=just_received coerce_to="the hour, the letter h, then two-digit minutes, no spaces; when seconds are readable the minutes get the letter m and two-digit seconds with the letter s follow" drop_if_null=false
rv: 3h14
